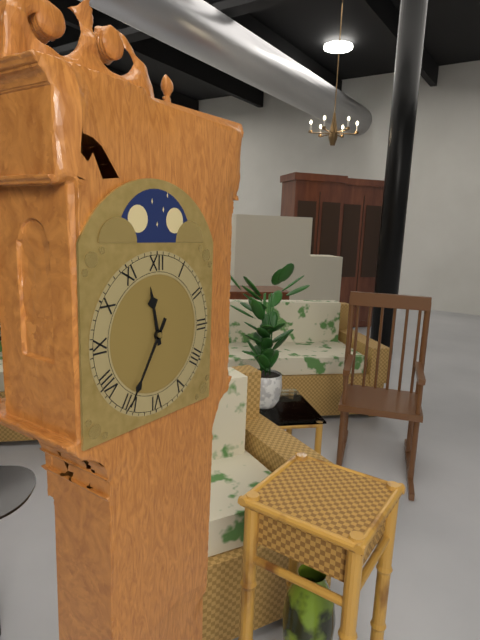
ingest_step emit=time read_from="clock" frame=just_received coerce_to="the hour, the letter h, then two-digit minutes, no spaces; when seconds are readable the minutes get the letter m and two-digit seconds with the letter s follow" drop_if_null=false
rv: 11h35
